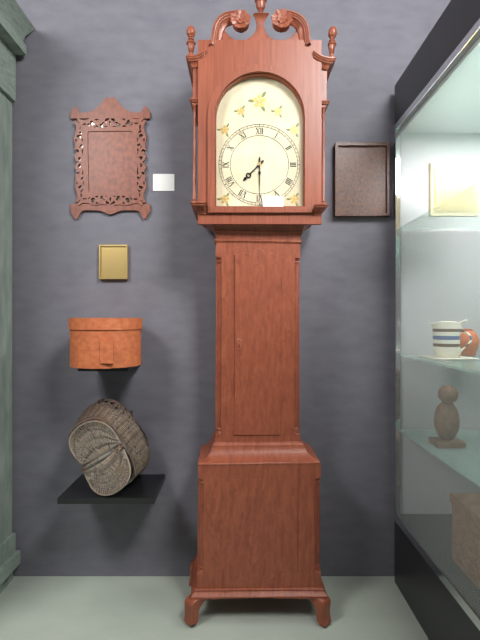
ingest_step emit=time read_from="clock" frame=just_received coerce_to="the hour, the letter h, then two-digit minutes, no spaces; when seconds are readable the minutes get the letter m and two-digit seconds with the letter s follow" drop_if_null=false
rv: 7h30
